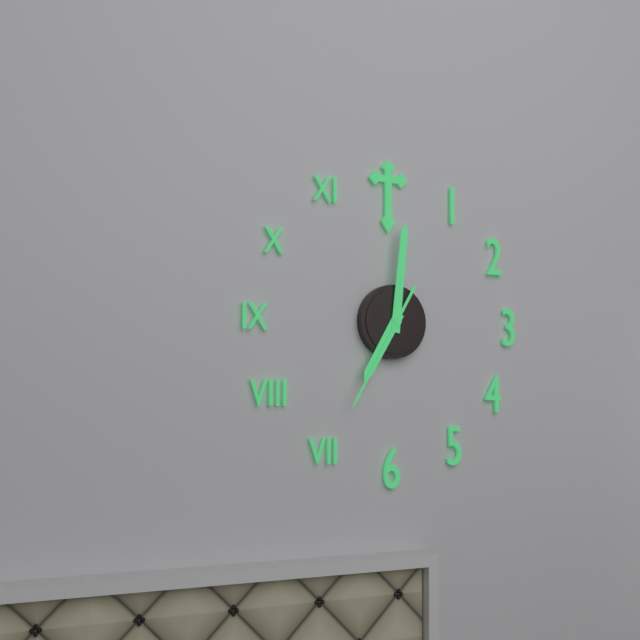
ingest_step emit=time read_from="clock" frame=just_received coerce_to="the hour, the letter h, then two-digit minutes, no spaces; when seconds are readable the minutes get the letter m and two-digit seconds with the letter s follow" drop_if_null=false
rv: 7h01m35s
